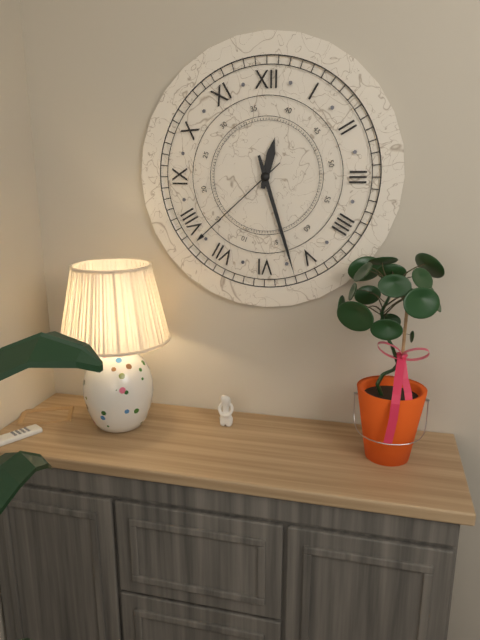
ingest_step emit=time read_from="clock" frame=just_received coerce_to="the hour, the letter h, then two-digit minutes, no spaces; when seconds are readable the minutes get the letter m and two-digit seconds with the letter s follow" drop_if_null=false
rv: 12h27m38s
